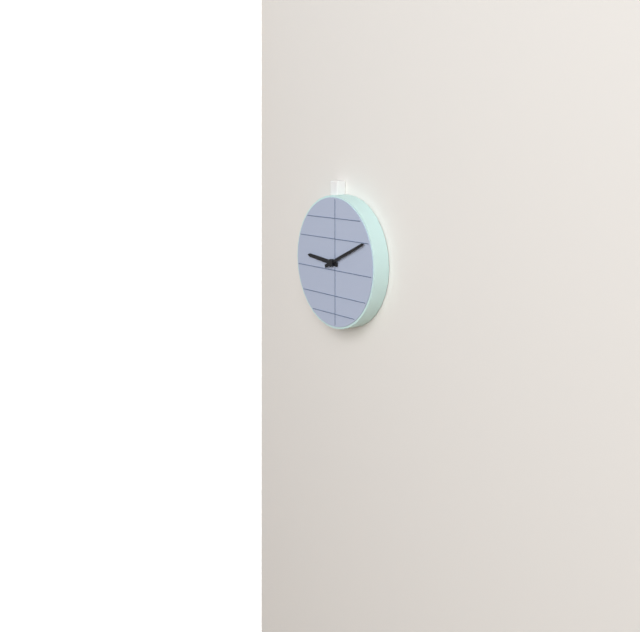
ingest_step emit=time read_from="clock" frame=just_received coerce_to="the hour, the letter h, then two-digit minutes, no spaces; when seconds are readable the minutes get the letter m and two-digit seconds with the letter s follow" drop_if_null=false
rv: 9h11
